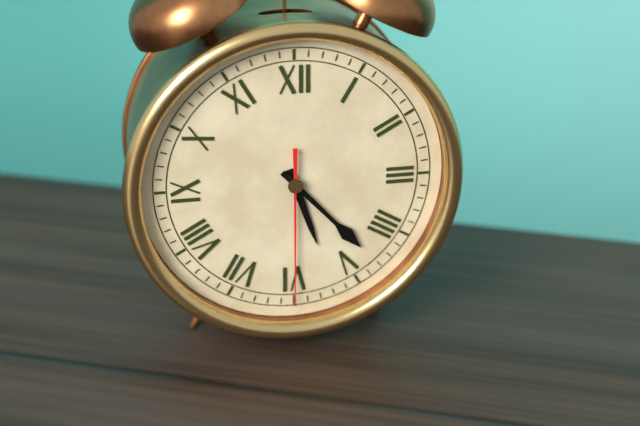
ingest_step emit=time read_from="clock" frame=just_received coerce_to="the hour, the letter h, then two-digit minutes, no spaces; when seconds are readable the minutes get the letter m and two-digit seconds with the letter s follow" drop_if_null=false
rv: 5h23m30s
